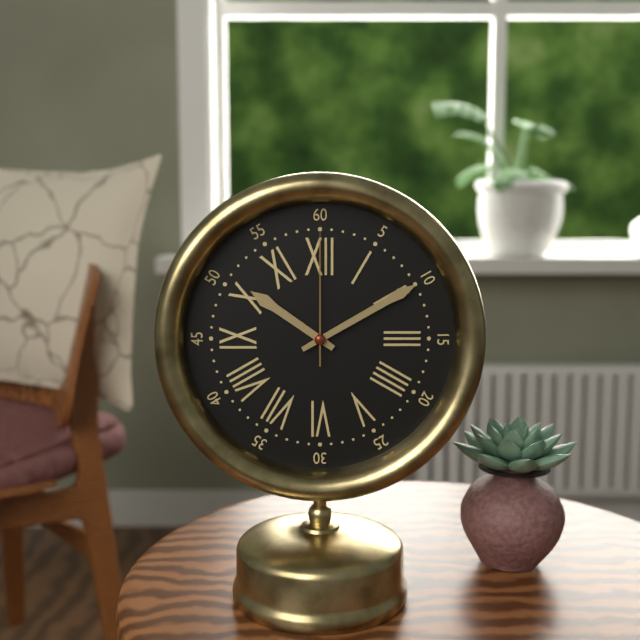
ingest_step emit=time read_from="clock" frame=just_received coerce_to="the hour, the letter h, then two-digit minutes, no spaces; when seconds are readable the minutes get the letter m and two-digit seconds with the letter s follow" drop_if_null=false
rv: 10h10m00s
